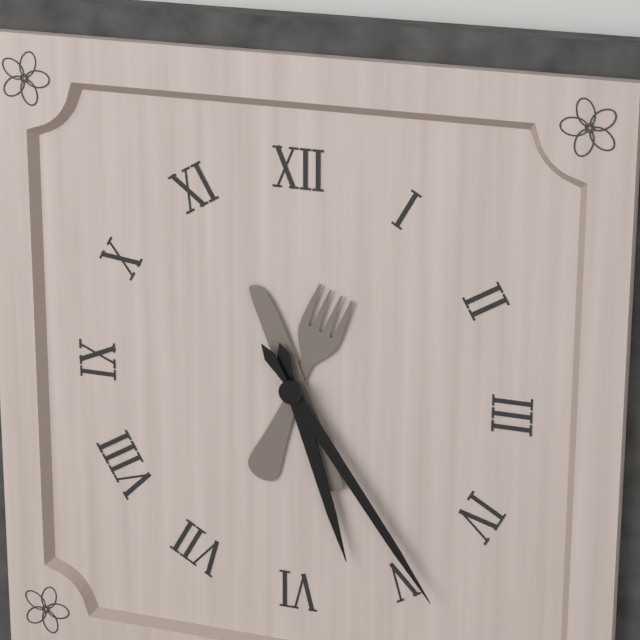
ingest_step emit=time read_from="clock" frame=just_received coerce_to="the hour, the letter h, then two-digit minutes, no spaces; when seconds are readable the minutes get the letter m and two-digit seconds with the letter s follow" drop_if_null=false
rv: 5h24
